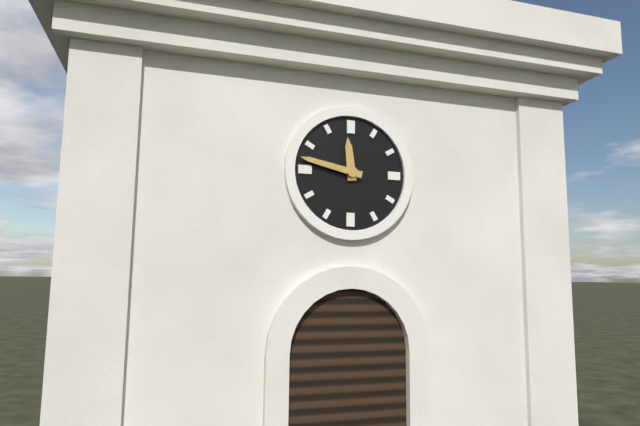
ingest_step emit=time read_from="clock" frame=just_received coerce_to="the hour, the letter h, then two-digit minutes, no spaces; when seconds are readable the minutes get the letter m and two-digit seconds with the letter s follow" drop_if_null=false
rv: 11h47
